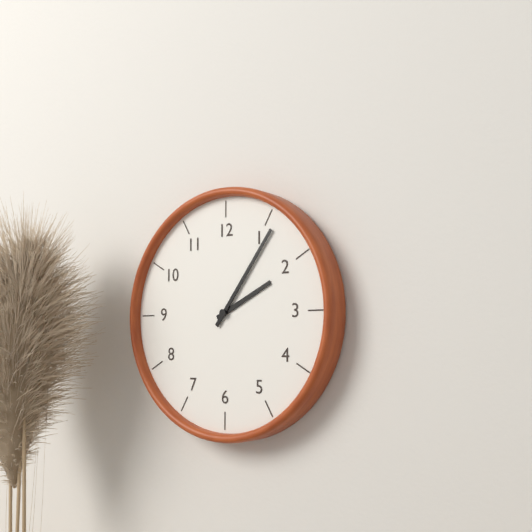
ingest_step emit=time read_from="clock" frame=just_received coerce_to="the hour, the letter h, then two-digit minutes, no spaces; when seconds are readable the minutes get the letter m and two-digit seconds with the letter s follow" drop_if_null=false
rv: 2h06
